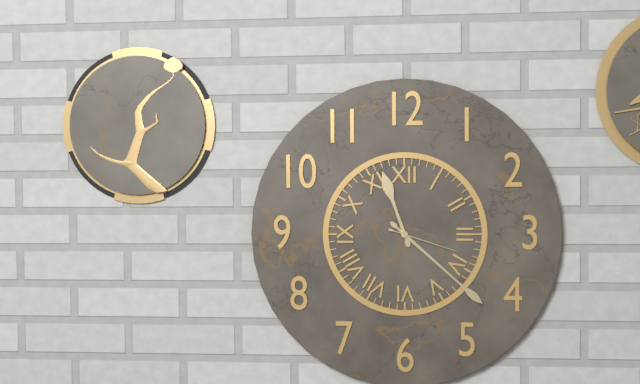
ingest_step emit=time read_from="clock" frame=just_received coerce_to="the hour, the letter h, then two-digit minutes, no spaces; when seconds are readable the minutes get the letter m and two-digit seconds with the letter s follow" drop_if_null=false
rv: 11h22m18s
